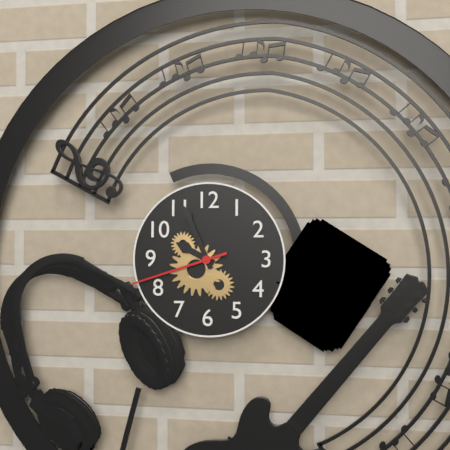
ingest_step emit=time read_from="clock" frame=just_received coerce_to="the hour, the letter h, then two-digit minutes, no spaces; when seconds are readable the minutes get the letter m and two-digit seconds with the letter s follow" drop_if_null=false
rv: 9h56m42s
